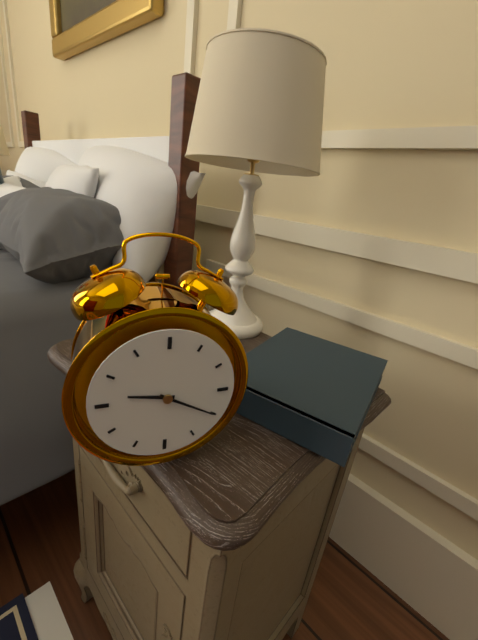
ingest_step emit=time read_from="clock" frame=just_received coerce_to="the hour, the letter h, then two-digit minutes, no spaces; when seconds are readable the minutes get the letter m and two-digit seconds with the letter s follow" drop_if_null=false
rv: 9h20
